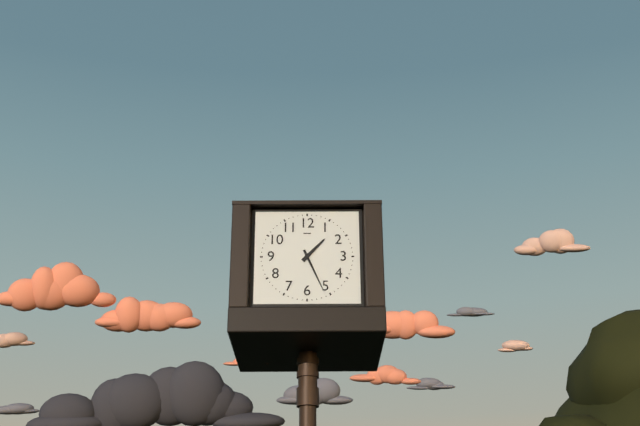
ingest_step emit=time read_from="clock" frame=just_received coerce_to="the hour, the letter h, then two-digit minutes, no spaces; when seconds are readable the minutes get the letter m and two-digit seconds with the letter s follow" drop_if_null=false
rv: 1h26
